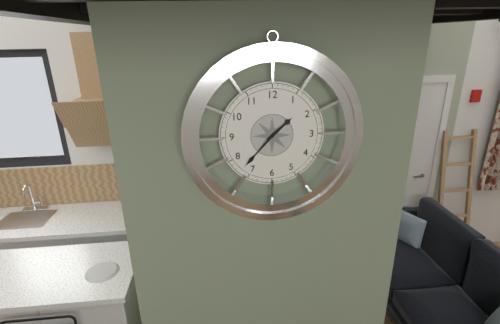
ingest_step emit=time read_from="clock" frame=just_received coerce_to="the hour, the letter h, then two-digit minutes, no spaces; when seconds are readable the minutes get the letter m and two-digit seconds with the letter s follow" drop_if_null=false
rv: 1h37
